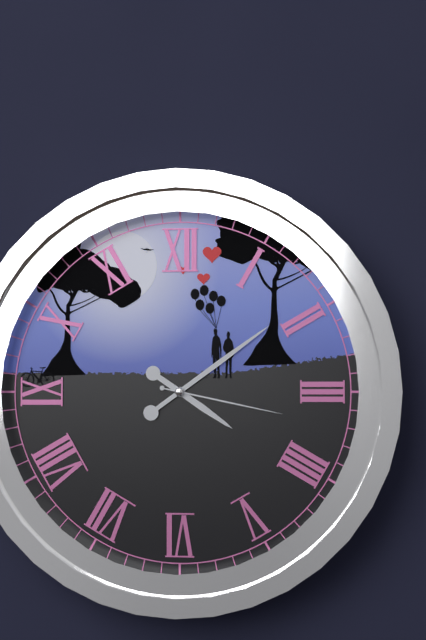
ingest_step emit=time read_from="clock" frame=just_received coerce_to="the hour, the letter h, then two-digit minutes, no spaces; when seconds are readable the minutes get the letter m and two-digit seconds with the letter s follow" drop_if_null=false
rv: 4h09m17s
